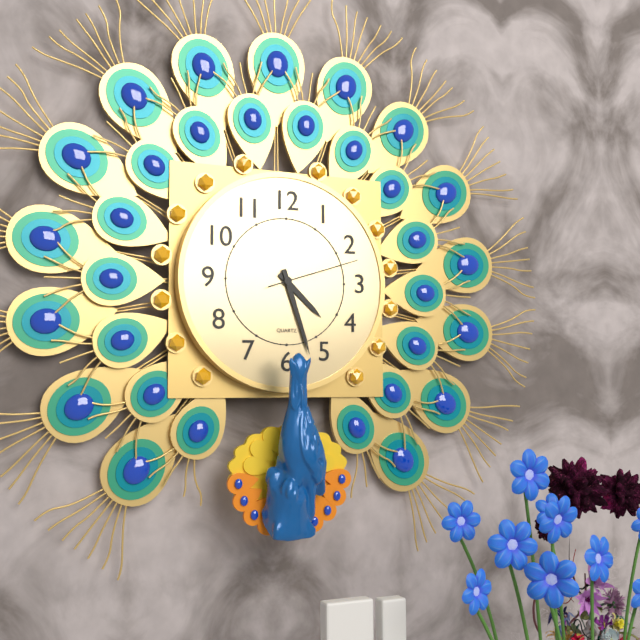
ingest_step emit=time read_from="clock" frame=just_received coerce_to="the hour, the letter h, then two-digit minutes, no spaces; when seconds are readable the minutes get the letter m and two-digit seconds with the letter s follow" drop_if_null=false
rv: 4h27m12s
